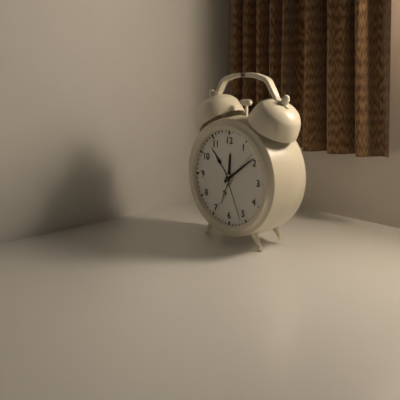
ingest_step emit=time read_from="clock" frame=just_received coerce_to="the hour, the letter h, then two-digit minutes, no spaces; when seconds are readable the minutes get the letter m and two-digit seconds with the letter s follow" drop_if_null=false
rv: 12h09m26s
